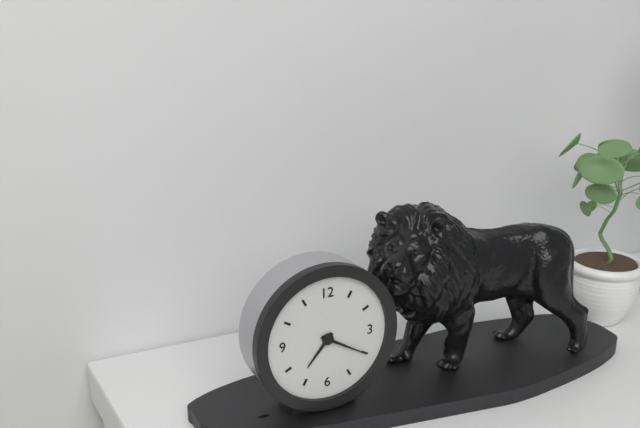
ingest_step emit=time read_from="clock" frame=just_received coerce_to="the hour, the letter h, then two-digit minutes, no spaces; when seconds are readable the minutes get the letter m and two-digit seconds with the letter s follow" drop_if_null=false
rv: 7h20
